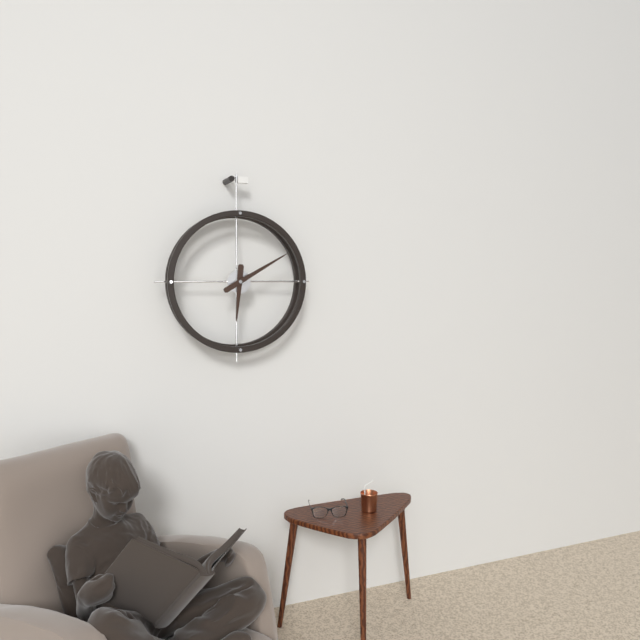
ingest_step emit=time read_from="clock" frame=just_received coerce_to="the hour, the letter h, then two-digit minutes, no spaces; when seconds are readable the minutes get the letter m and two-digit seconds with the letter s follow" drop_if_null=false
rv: 6h10
